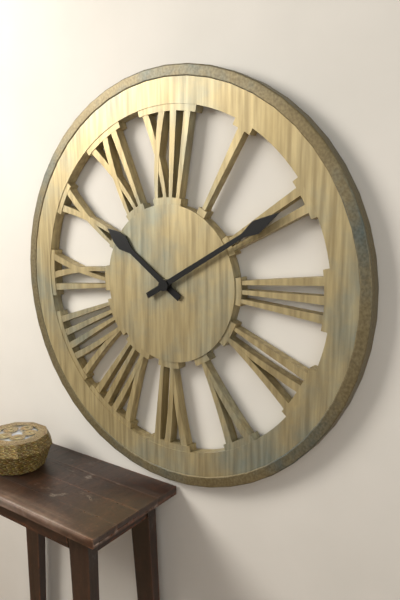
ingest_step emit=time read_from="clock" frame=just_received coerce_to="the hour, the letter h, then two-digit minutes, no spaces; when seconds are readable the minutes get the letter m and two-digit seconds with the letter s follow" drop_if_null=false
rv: 10h10
